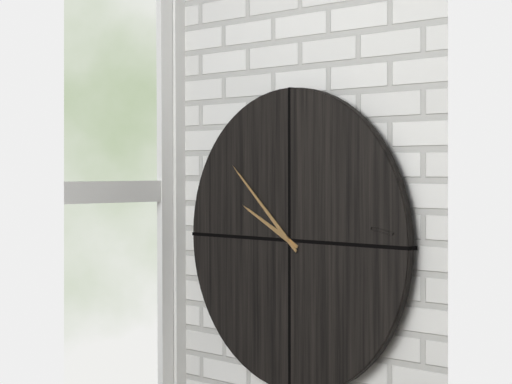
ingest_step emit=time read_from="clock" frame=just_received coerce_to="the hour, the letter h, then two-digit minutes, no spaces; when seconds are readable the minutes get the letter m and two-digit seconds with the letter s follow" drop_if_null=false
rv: 9h52
